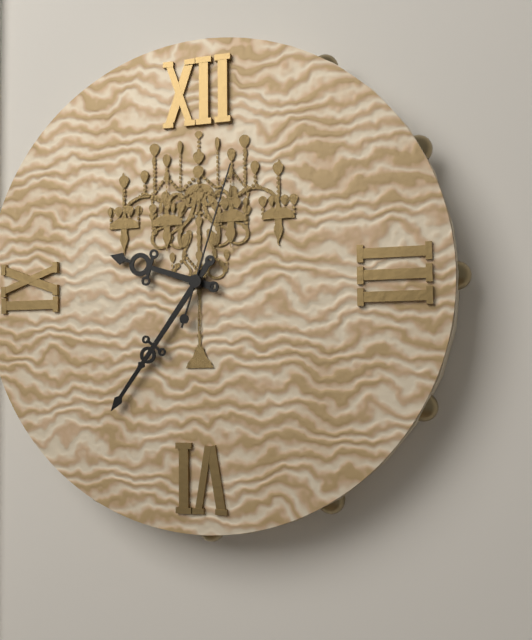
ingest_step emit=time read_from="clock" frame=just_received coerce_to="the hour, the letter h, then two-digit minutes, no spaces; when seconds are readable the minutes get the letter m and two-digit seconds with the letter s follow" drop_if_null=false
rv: 9h36m03s
